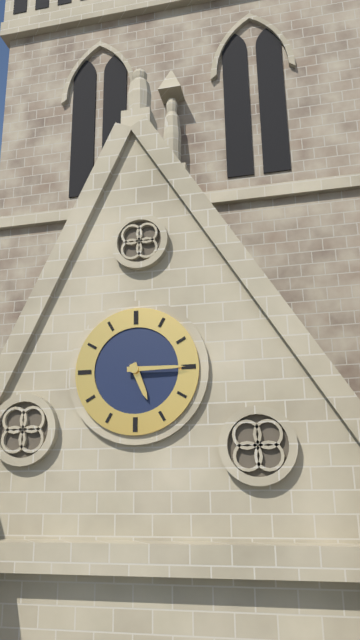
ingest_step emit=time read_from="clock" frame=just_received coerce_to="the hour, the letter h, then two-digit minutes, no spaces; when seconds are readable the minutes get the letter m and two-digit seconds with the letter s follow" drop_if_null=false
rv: 5h15
